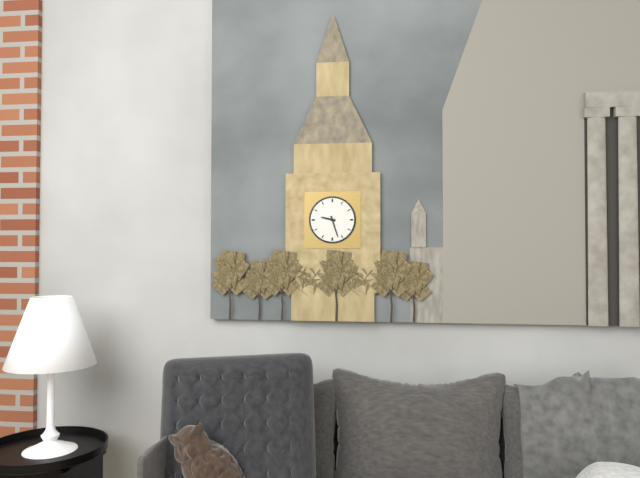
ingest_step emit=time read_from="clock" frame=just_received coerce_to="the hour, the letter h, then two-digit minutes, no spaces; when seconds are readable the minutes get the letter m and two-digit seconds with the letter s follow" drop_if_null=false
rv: 9h27
